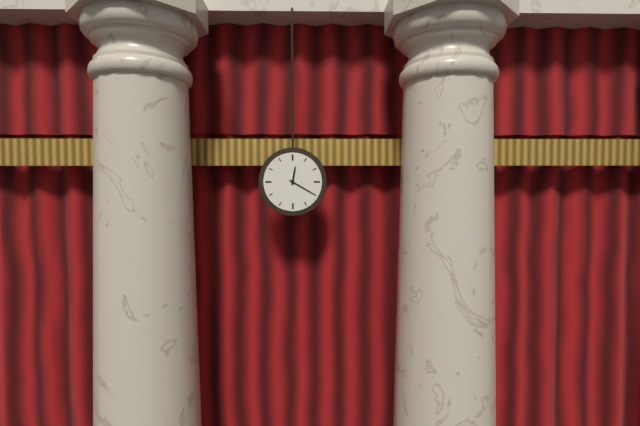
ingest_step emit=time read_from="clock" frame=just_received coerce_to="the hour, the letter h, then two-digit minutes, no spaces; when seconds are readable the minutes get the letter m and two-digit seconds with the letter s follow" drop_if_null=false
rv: 12h20
